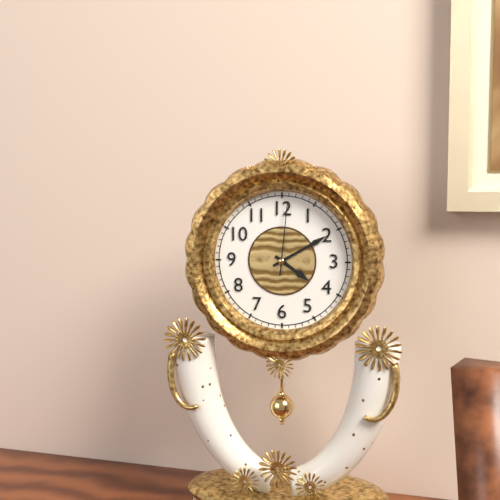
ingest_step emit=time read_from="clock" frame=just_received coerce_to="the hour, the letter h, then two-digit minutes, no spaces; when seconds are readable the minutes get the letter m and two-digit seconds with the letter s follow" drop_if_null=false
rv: 4h10m01s
